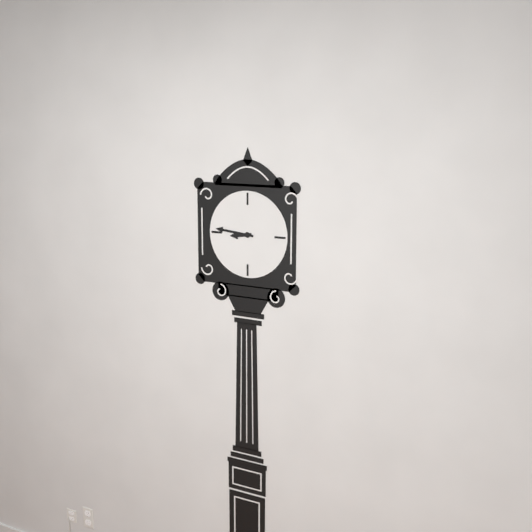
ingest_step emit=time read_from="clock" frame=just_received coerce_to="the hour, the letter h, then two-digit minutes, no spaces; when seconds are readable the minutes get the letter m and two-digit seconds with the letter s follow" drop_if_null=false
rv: 8h46
